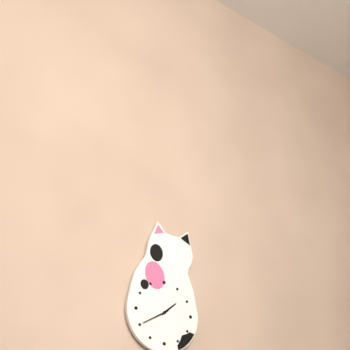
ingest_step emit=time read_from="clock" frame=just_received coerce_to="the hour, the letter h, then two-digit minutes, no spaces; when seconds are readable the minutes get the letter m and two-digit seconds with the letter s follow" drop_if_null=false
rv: 1h40
